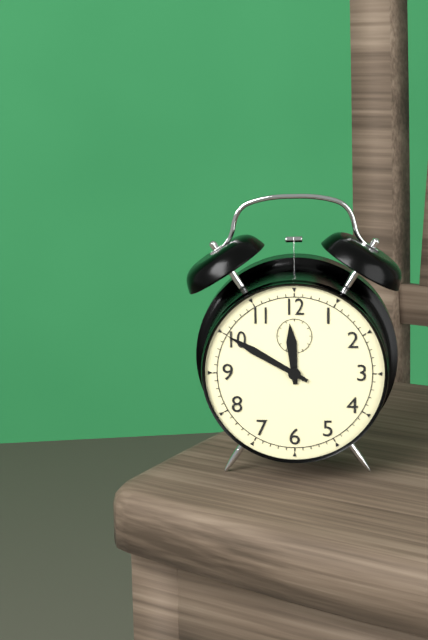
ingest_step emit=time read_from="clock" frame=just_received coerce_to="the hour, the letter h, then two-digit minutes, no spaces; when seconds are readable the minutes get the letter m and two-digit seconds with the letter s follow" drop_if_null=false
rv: 11h50
